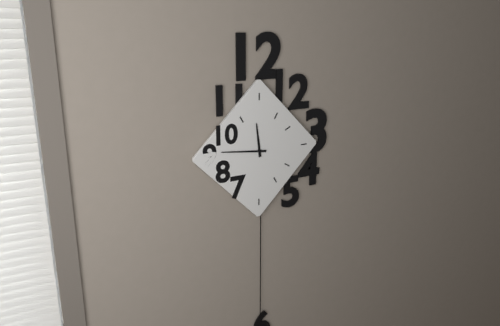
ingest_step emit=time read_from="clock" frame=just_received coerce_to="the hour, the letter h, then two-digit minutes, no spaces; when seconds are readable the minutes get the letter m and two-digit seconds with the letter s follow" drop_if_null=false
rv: 11h46
